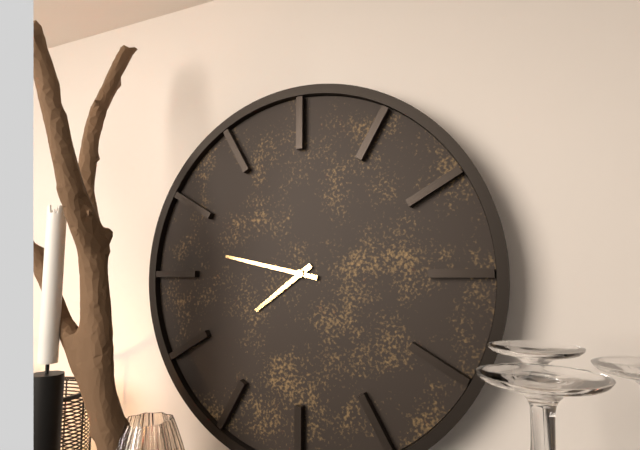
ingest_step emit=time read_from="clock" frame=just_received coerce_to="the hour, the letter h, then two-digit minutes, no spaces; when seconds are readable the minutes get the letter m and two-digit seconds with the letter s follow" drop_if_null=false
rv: 7h47
